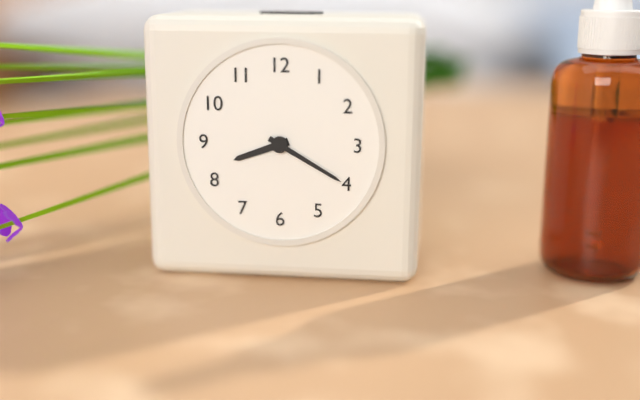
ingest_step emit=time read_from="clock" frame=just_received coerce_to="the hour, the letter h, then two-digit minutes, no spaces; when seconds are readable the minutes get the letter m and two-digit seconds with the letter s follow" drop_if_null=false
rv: 8h20
